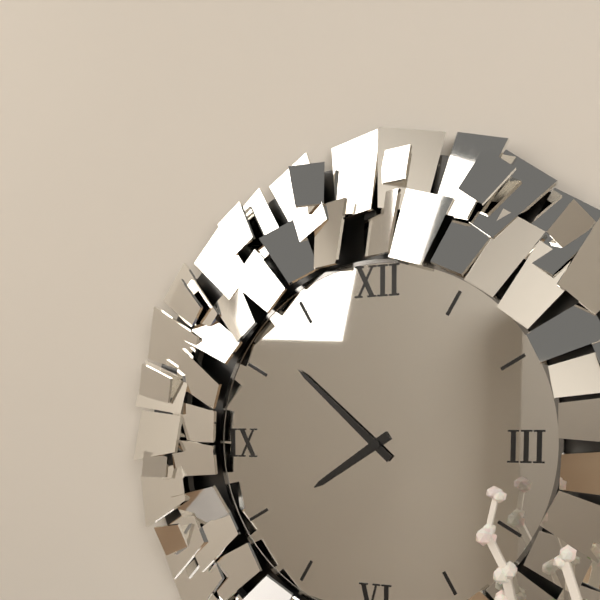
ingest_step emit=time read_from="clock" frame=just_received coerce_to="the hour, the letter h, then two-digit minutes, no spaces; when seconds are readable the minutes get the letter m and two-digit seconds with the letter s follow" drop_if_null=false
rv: 7h52
